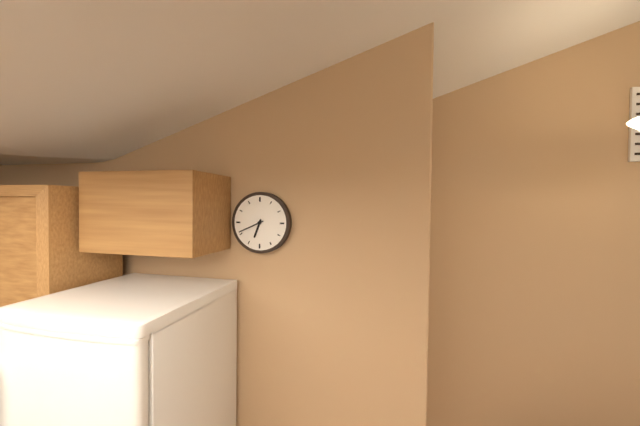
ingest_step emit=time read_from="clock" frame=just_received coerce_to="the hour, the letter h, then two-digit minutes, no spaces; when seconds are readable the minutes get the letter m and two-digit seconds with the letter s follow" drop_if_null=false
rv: 6h41
